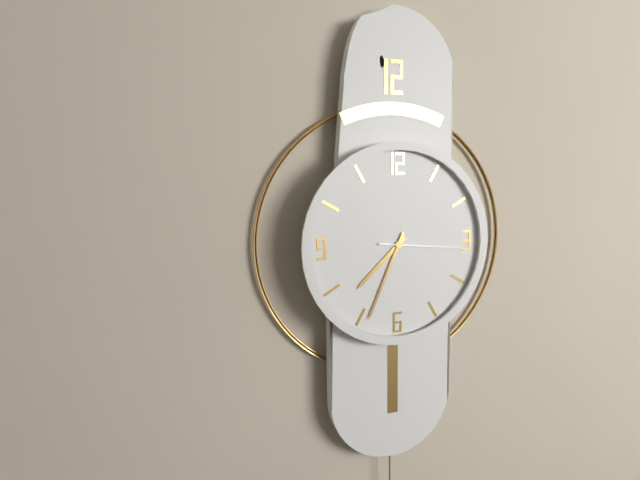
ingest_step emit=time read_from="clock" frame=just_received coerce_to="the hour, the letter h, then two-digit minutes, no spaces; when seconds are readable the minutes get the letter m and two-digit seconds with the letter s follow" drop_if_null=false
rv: 7h34m16s
